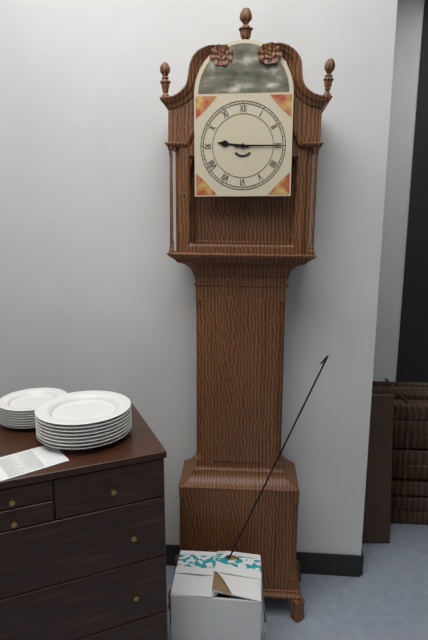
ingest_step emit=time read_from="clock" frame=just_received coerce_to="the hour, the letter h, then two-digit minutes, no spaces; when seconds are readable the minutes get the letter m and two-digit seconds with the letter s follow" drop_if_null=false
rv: 9h15
